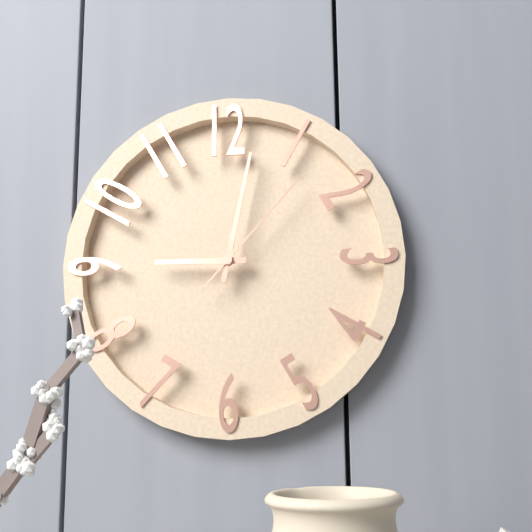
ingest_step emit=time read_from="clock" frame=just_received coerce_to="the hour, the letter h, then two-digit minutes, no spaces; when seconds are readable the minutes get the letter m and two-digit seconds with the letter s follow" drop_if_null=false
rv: 9h02m07s
